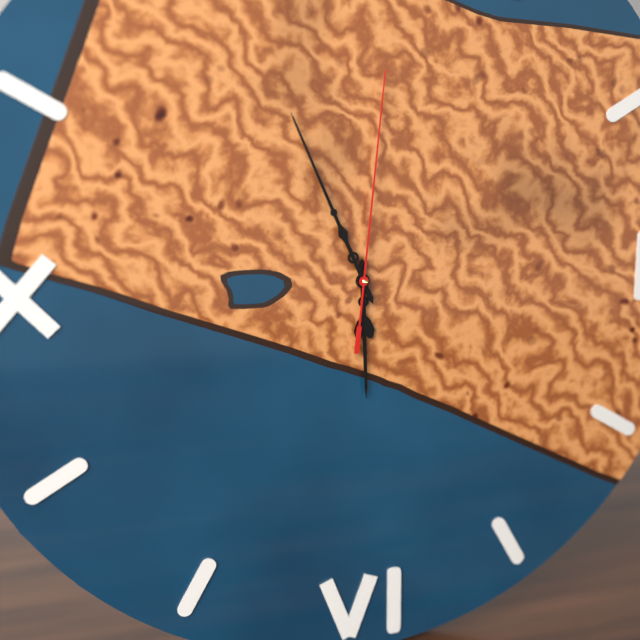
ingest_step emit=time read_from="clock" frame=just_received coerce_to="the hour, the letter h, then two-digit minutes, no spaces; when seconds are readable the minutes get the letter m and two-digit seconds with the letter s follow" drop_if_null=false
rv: 5h56m01s
